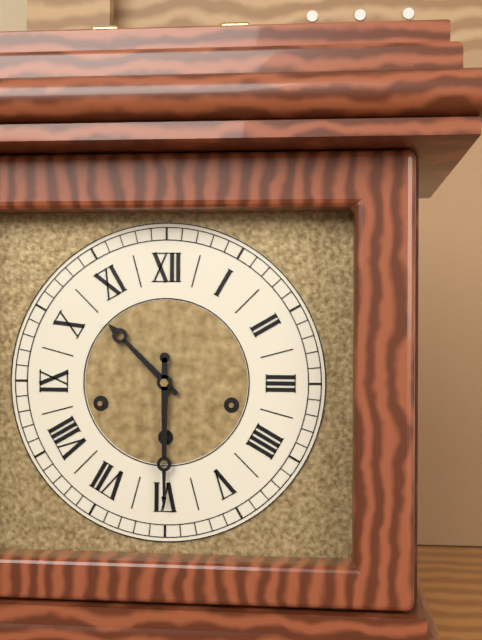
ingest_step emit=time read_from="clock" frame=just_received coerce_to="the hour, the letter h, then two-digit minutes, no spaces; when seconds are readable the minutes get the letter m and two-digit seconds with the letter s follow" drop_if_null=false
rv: 10h30
